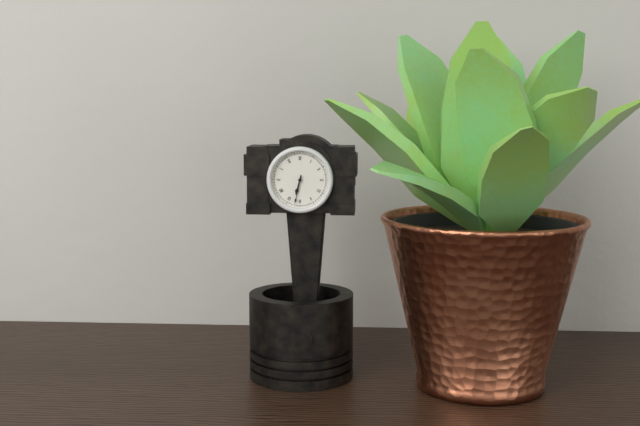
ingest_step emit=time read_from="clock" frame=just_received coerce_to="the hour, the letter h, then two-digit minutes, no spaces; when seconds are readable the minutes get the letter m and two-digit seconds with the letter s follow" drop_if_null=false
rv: 6h32
